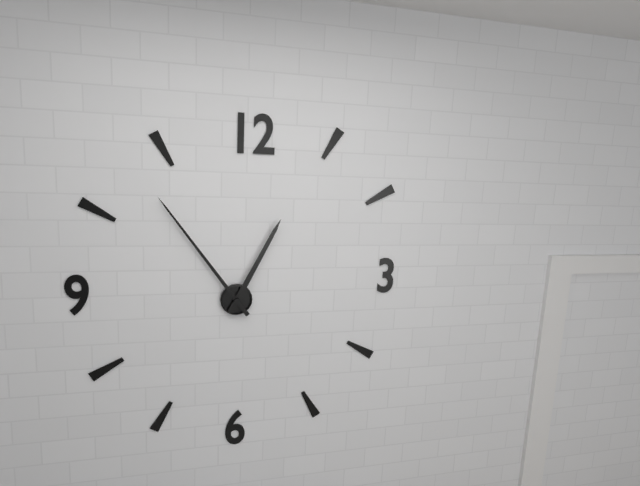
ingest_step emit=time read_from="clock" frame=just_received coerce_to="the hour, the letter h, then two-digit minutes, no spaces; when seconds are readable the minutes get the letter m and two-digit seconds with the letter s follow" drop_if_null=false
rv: 12h54
